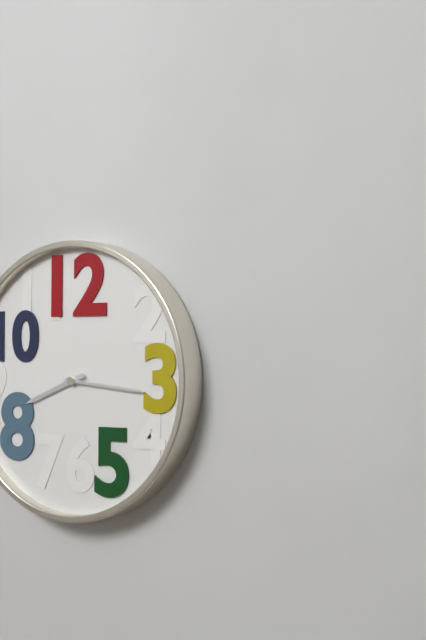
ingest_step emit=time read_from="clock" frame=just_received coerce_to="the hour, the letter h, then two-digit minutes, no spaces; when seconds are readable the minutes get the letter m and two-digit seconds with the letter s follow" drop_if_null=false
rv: 8h16
